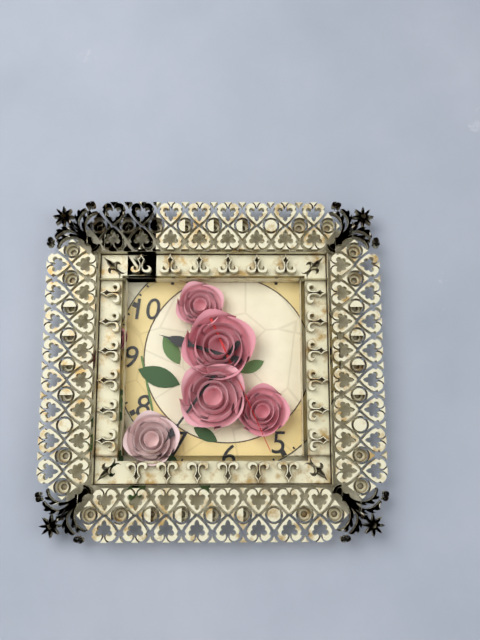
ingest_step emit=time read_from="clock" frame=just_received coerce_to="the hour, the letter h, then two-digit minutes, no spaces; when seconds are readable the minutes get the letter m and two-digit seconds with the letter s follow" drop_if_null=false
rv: 9h36m26s
